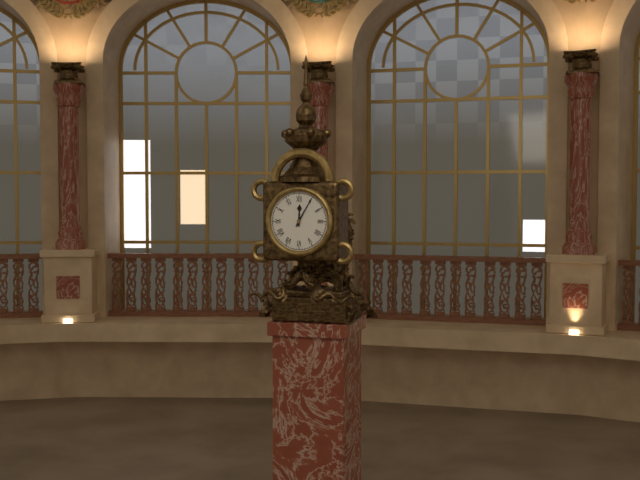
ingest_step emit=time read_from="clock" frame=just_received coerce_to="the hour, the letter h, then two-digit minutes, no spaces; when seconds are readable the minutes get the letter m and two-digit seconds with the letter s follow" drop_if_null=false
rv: 12h05
